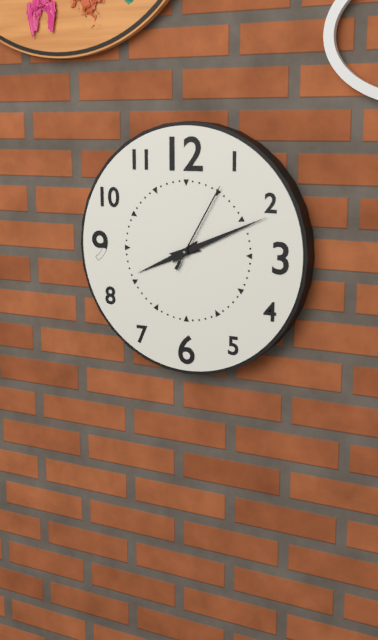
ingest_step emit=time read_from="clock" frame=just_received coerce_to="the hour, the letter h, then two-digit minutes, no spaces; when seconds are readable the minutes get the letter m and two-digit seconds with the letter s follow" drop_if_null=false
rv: 8h11m05s
